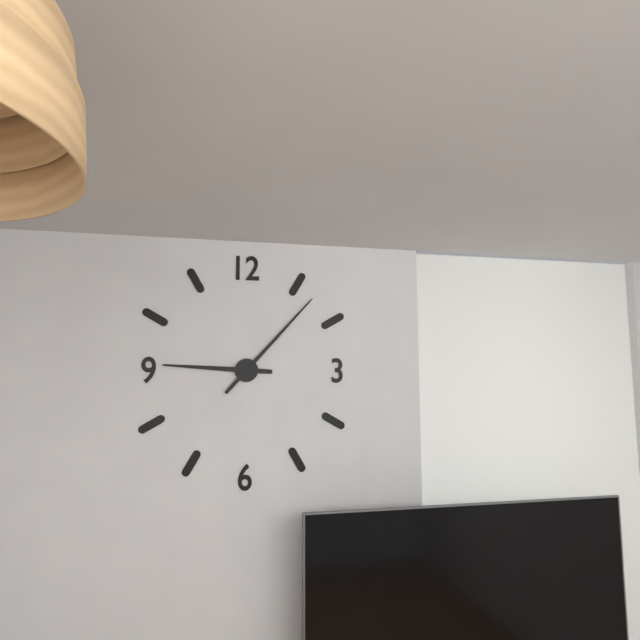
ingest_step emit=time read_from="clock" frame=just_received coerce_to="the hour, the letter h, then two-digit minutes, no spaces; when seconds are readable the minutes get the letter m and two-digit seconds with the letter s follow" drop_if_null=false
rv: 9h07
